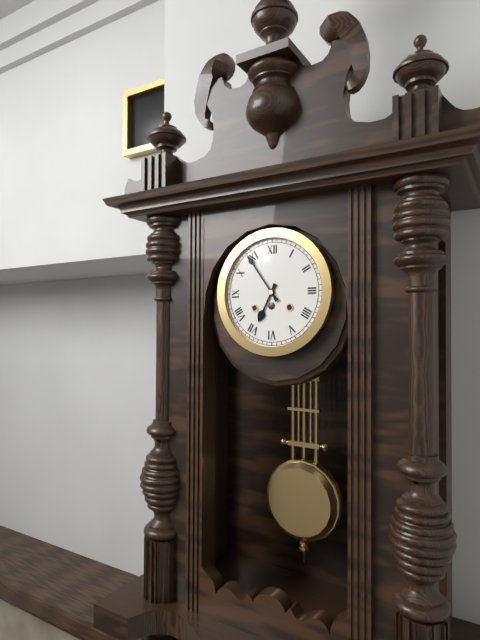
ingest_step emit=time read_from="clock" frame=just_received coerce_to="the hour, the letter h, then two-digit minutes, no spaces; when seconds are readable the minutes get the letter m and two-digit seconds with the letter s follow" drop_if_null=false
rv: 6h54
